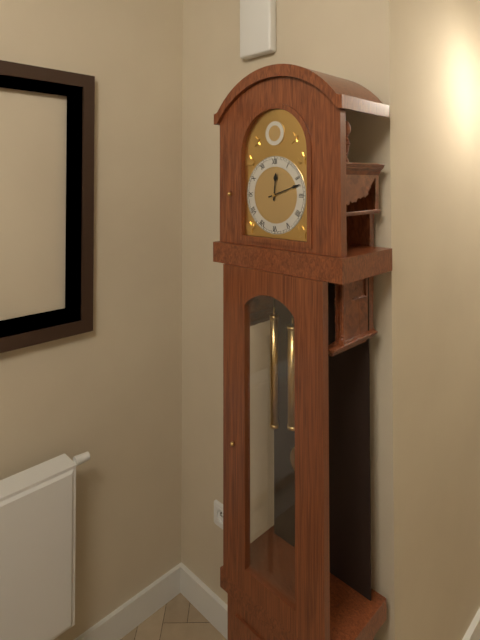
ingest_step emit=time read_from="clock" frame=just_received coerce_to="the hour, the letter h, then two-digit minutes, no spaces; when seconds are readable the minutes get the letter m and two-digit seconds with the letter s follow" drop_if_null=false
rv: 12h12
